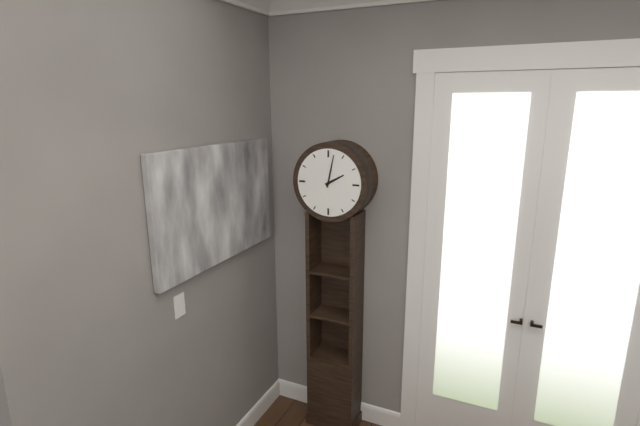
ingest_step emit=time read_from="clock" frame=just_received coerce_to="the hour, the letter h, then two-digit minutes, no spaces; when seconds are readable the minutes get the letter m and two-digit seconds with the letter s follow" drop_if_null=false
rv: 2h02
